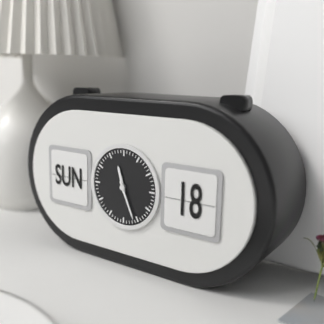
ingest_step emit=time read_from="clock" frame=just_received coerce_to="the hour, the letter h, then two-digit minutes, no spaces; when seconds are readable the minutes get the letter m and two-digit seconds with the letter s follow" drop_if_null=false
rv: 11h26
